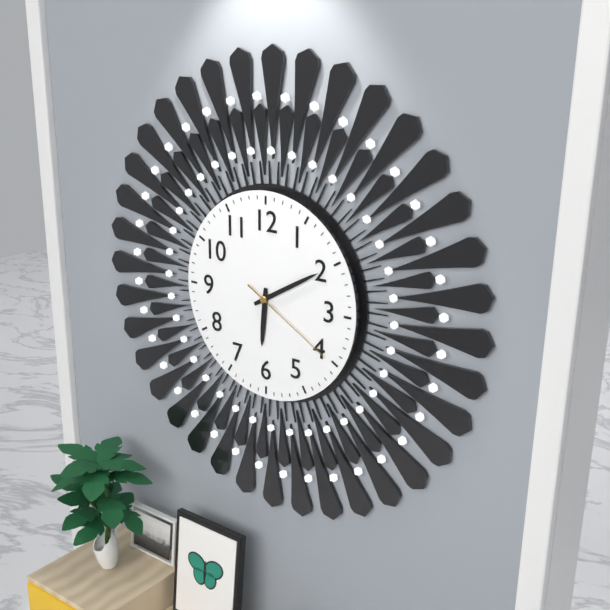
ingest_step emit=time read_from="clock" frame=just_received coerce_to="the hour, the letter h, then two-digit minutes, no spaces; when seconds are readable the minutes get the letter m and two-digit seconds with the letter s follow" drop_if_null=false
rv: 6h10m20s
